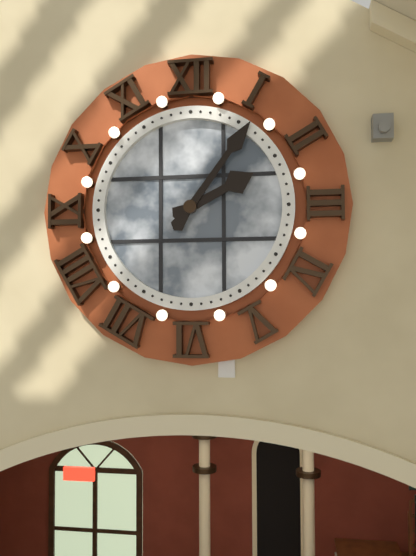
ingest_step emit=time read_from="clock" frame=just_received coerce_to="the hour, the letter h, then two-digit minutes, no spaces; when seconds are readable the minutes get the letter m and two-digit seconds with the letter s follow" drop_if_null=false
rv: 2h06
